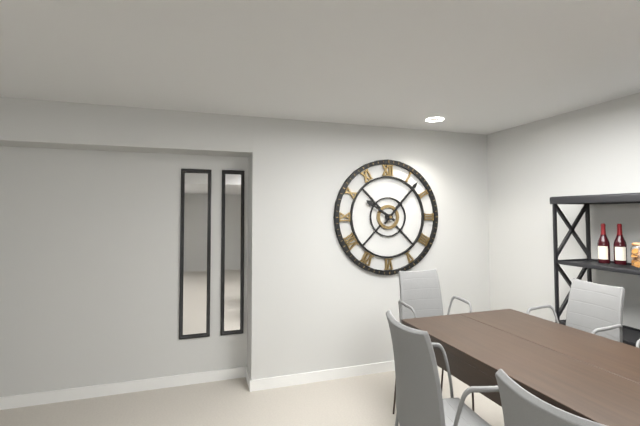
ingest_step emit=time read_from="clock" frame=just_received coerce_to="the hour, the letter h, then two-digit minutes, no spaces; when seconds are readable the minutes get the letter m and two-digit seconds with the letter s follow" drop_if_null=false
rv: 10h07
